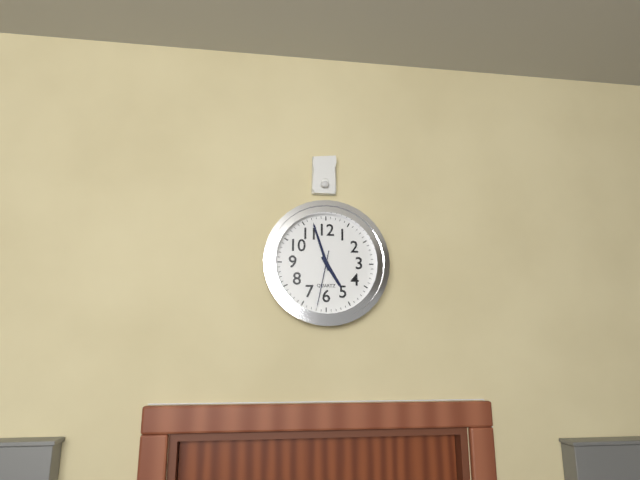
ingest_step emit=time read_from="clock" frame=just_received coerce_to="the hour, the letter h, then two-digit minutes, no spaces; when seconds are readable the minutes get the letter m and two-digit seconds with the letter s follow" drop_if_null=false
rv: 4h57m32s
